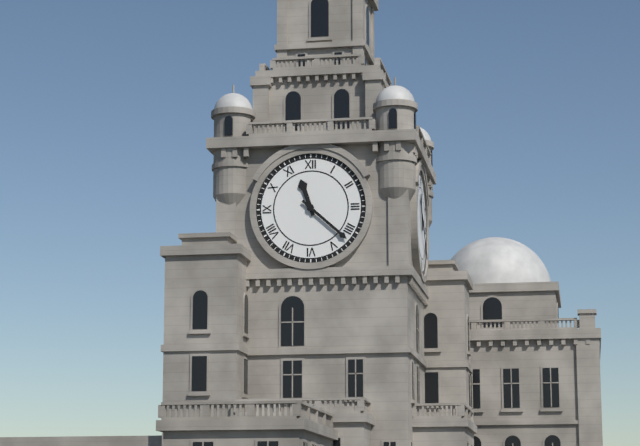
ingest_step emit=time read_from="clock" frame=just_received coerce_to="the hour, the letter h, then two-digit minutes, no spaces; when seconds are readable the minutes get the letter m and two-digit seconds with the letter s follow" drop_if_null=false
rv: 11h22
